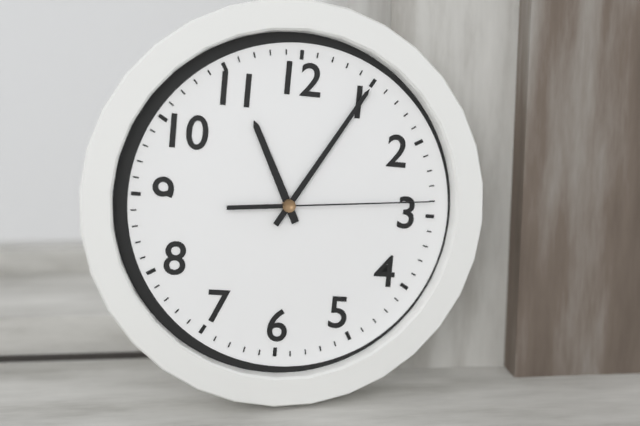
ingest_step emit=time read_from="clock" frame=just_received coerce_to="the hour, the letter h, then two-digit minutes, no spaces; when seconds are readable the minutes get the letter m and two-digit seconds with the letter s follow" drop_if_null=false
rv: 11h05m14s
